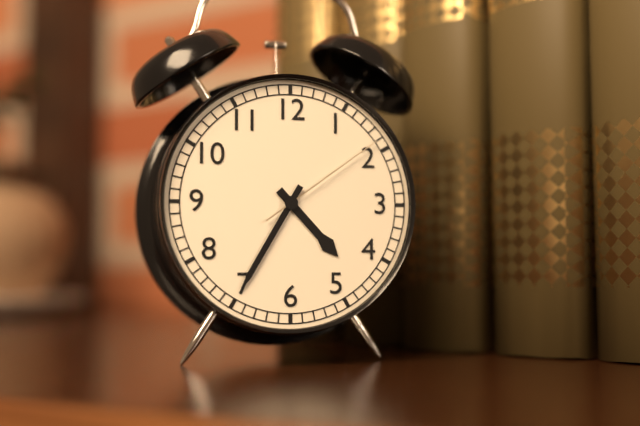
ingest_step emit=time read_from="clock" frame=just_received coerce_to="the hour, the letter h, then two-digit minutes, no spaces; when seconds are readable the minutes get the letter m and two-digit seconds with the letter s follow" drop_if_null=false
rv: 4h35m09s
